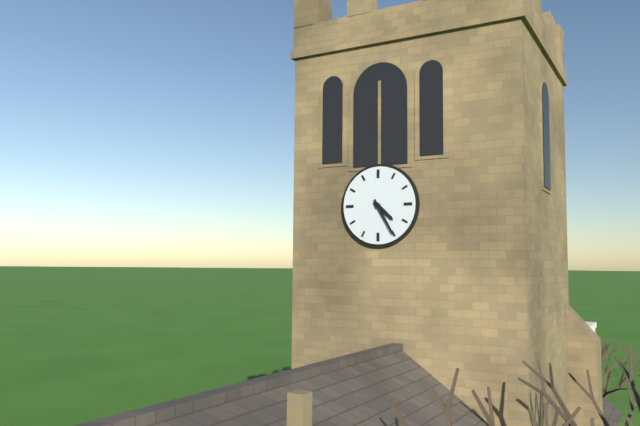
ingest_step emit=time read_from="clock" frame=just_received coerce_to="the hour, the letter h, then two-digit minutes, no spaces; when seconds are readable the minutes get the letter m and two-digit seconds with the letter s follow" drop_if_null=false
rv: 4h25
